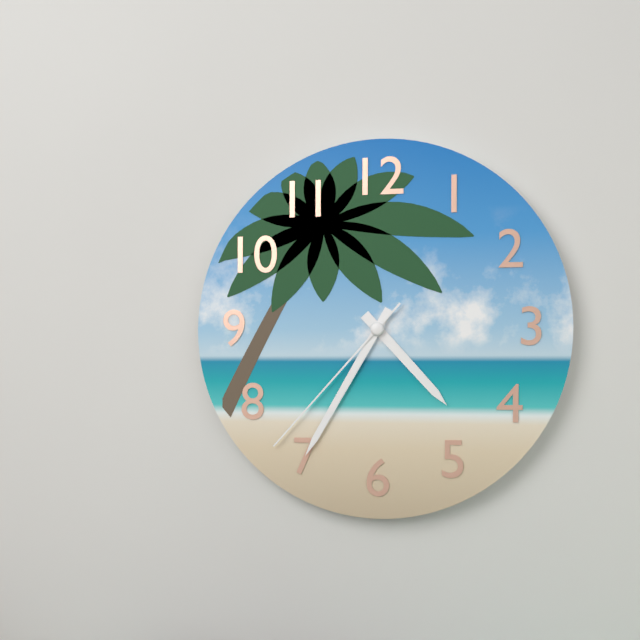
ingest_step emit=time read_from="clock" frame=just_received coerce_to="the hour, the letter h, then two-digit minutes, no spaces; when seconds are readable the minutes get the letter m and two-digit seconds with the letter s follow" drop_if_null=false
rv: 4h35m37s
